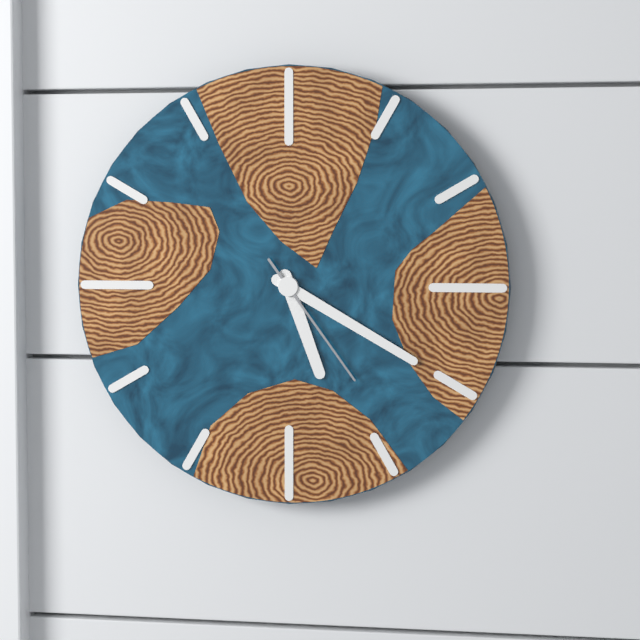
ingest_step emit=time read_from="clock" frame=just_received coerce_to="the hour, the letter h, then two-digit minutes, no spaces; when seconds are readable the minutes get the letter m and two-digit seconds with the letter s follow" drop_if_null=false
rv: 5h20m24s
